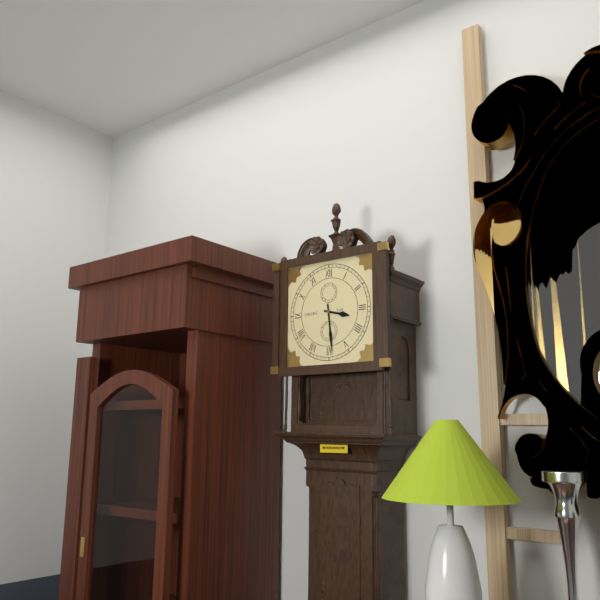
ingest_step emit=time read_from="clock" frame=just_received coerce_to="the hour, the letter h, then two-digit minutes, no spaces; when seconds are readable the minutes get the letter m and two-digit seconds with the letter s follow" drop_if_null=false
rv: 3h29
